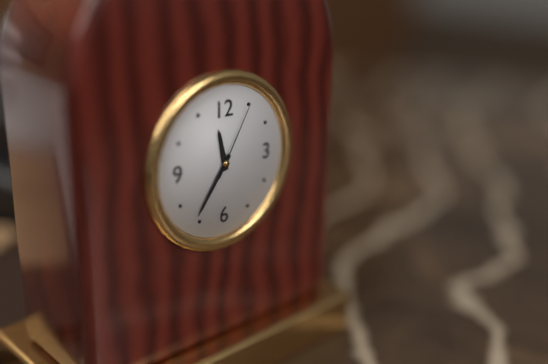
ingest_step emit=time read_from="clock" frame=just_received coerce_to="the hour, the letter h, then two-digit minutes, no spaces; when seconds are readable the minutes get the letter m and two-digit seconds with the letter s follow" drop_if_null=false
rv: 11h36m05s
